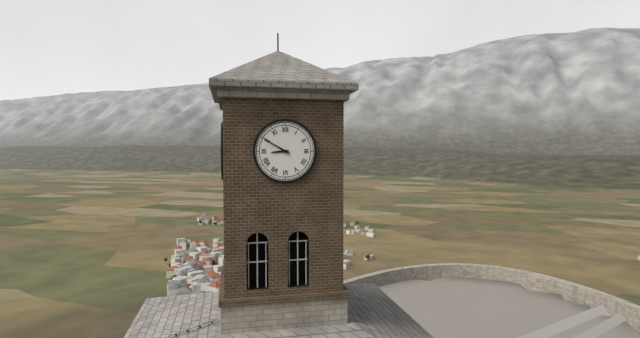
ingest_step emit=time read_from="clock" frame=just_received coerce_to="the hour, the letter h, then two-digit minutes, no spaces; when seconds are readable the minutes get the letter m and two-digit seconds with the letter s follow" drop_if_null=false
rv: 8h50
